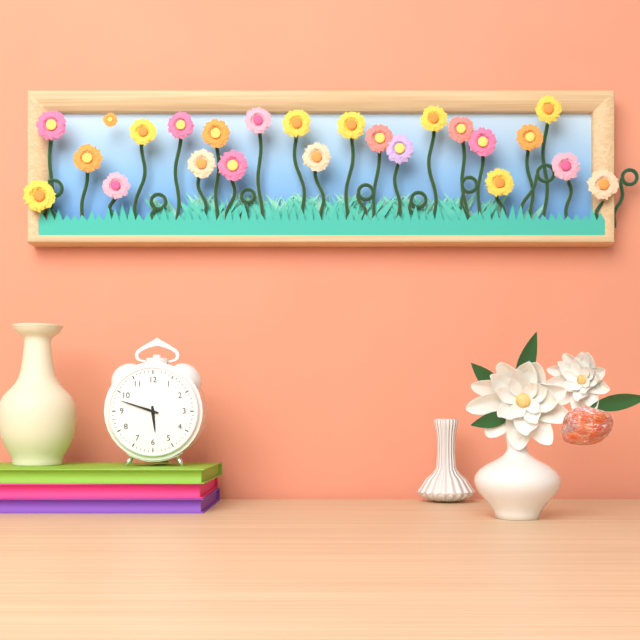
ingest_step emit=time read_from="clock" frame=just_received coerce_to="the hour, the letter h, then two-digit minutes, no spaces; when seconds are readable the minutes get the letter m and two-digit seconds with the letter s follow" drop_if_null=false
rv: 5h48
